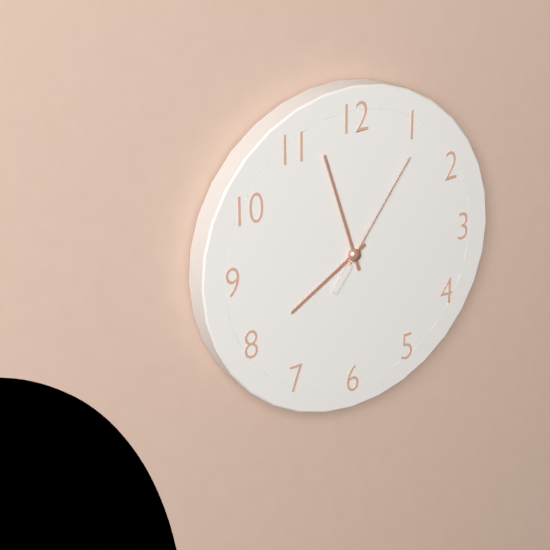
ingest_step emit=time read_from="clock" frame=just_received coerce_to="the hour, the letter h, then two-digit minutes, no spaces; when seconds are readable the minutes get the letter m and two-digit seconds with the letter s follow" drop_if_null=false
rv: 7h57m06s
